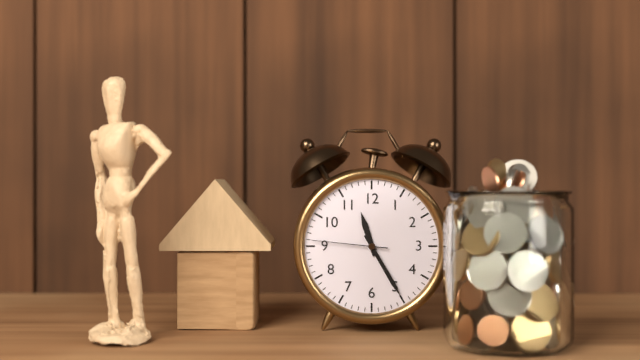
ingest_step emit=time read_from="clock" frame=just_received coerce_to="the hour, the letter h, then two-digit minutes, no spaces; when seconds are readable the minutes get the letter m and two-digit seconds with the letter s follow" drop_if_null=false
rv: 11h25m46s
